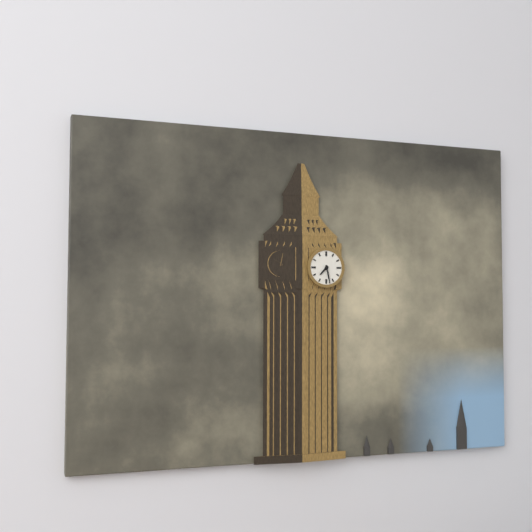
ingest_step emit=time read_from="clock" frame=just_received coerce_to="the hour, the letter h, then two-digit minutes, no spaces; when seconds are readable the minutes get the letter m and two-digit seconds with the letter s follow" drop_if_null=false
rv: 7h28
